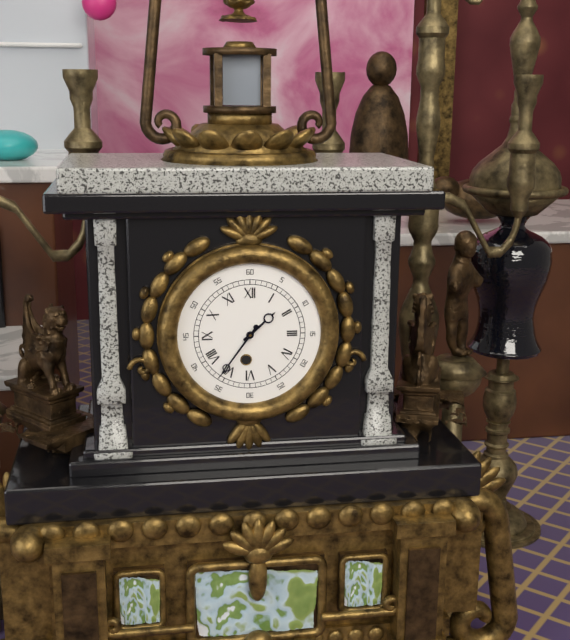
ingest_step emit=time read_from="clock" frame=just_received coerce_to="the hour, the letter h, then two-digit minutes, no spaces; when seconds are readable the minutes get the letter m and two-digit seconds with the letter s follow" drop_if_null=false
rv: 1h36
